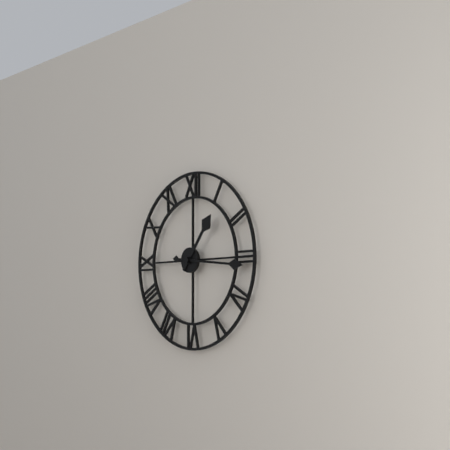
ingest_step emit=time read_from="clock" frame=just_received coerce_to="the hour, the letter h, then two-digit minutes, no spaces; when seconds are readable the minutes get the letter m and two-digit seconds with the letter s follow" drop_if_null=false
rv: 1h16
